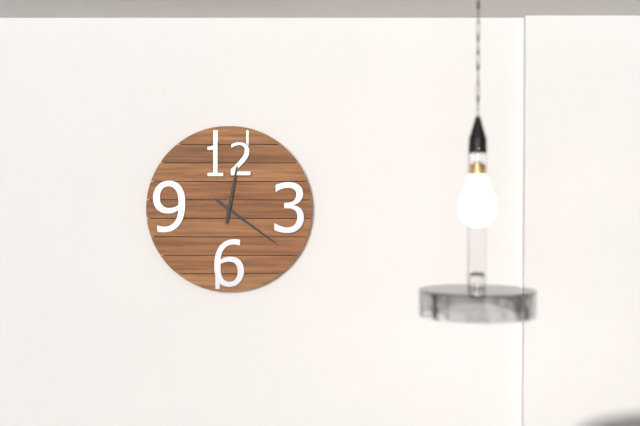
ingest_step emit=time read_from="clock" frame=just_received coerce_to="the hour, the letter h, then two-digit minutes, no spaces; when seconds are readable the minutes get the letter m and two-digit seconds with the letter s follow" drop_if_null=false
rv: 12h21
